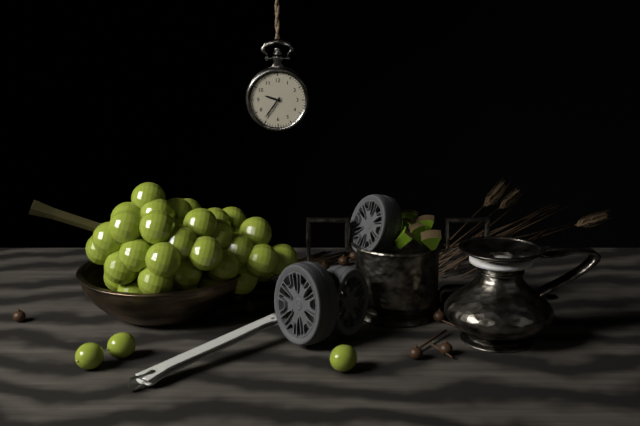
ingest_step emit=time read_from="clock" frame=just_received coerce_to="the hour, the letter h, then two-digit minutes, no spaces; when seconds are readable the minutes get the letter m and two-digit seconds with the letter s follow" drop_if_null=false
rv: 9h36
